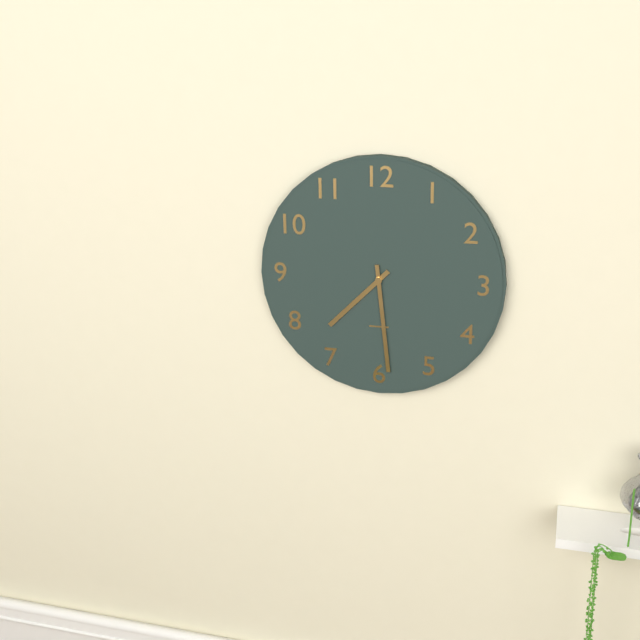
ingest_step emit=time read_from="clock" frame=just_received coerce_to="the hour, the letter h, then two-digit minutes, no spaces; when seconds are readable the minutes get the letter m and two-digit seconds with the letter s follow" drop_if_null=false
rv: 7h29
